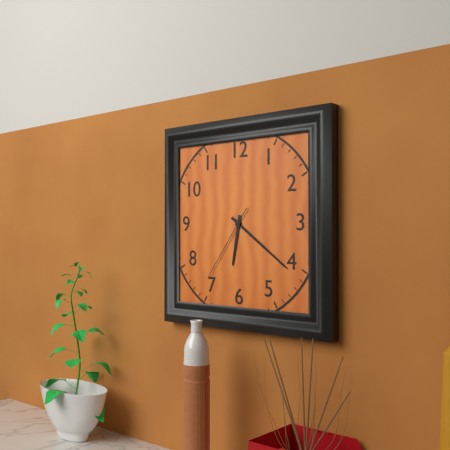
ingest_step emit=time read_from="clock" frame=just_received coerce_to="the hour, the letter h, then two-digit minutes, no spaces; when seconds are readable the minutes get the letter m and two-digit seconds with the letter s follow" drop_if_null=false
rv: 6h21m36s
